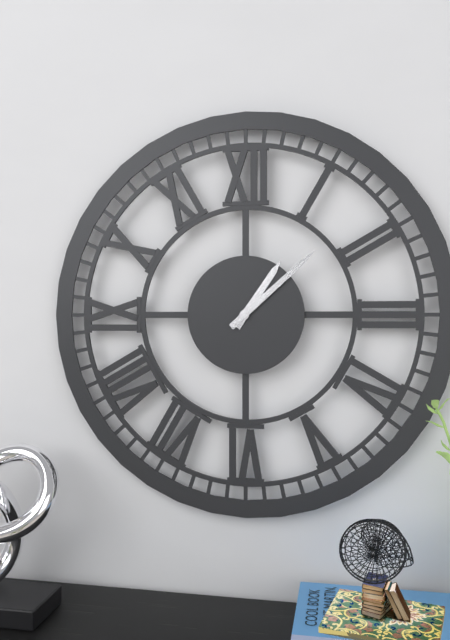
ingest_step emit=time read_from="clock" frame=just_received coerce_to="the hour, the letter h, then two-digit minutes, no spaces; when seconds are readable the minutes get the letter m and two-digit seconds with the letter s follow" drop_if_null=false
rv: 1h08
